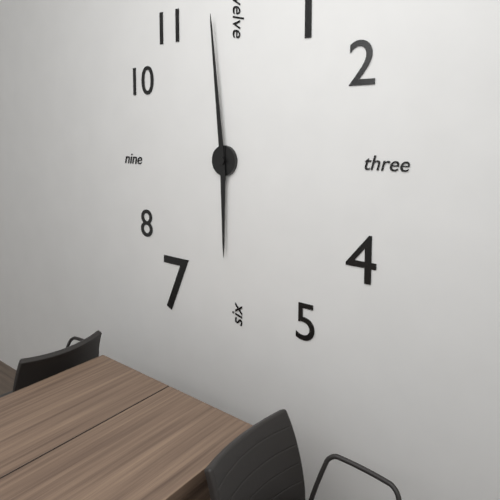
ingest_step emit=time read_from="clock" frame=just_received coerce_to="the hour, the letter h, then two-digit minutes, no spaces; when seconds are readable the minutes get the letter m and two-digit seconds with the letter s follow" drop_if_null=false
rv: 5h59
